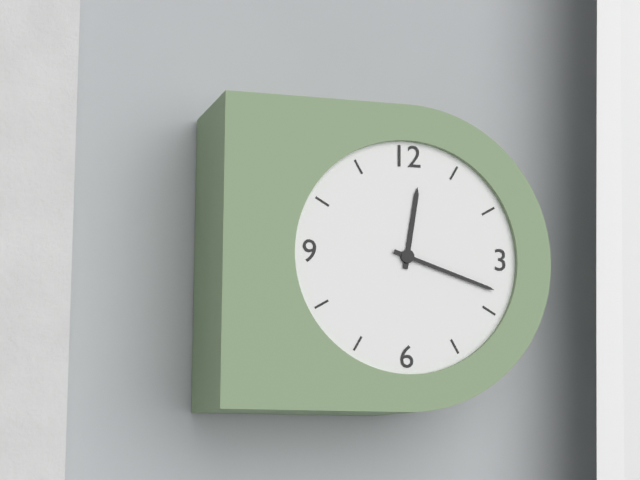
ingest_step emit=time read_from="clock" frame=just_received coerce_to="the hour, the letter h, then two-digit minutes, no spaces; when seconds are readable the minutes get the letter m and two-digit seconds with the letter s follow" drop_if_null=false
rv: 12h18
